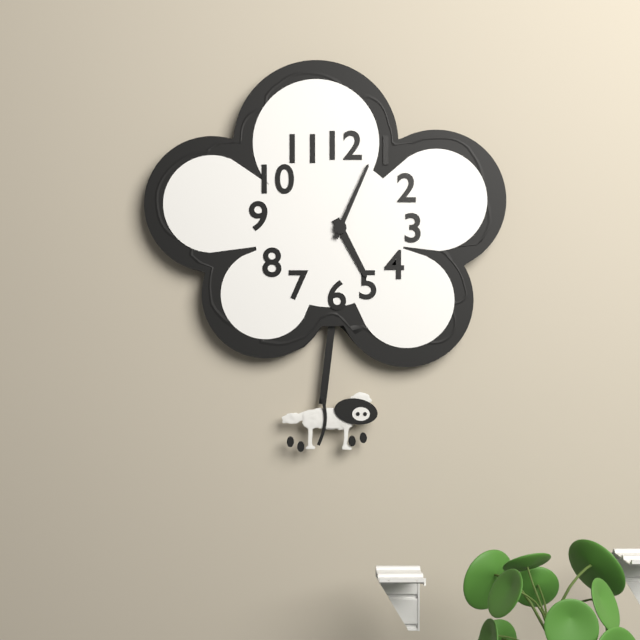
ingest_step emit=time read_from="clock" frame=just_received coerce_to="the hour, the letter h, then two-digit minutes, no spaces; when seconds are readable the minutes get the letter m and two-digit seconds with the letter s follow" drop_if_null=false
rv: 5h04
